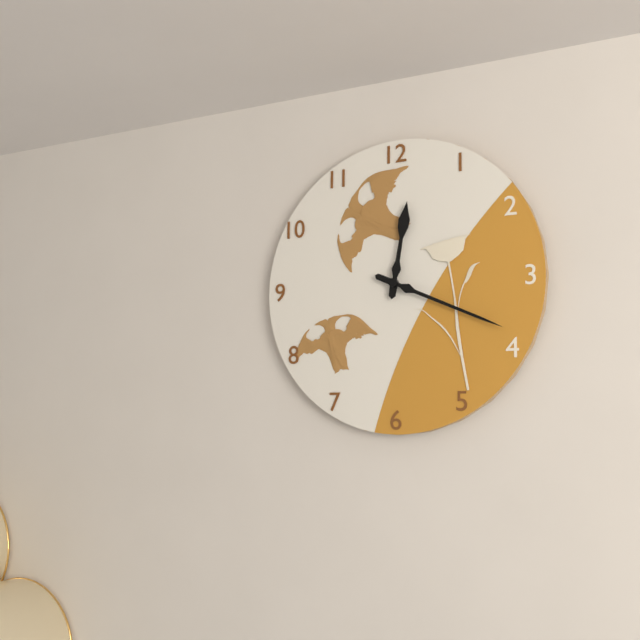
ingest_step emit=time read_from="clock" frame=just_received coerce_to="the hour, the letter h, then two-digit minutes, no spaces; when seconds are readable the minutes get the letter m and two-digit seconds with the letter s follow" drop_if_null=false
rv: 12h19
